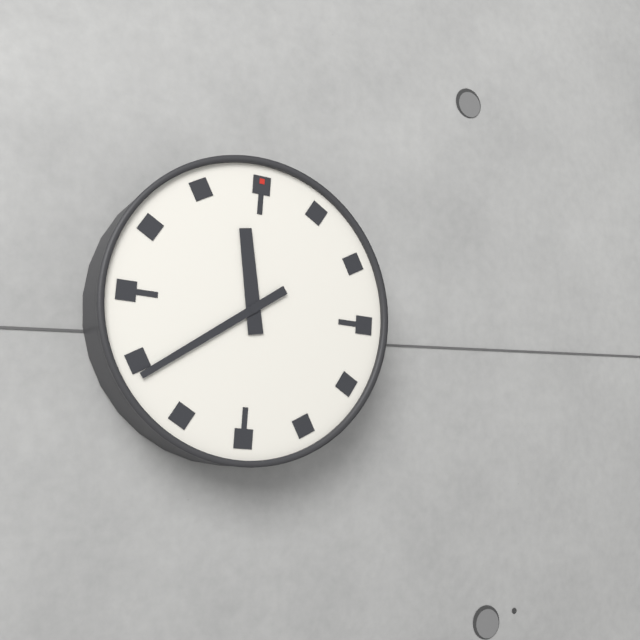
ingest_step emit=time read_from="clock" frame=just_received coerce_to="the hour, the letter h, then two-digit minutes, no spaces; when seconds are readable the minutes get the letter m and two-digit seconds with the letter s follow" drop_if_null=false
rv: 11h39
